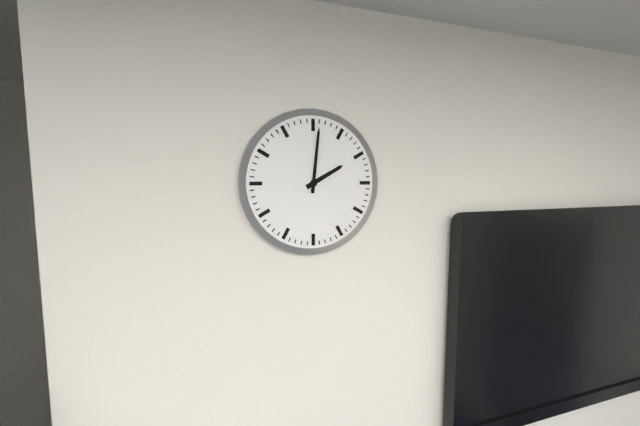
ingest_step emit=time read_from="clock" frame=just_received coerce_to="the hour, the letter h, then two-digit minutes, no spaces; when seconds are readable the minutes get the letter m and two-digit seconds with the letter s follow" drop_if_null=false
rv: 2h01
